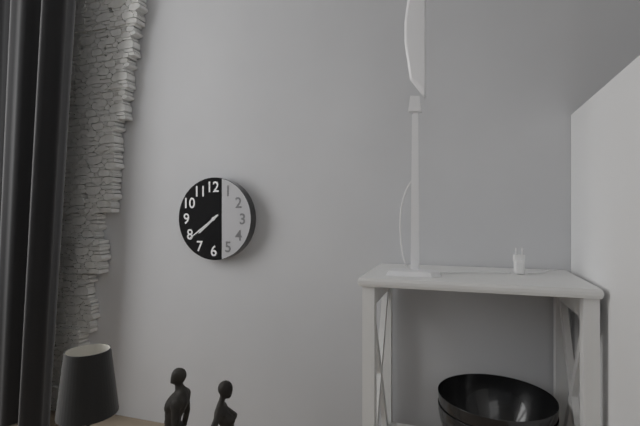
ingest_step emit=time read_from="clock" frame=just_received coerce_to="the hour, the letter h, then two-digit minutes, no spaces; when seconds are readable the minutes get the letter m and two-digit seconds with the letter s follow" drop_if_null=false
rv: 7h39
